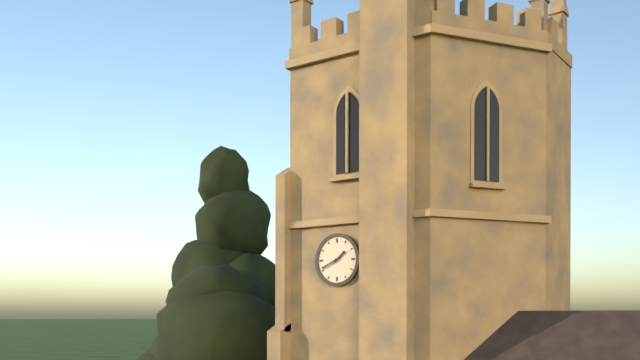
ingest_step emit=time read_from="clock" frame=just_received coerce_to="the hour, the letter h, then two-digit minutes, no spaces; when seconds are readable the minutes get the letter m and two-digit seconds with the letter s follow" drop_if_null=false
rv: 1h41
